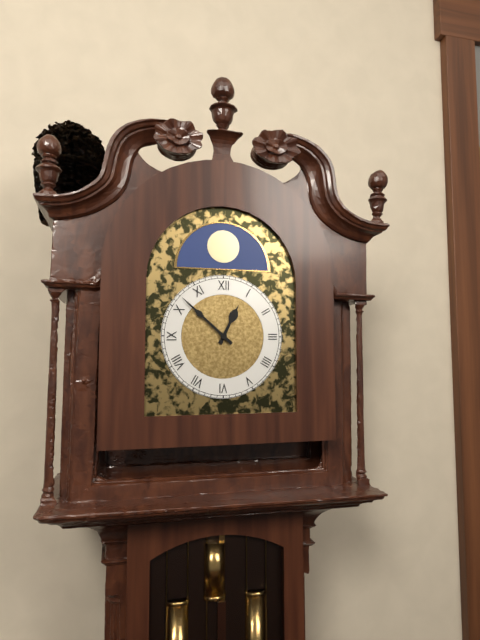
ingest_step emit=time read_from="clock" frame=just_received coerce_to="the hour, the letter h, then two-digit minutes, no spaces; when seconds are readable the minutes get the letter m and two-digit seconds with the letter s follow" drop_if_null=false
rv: 12h52
